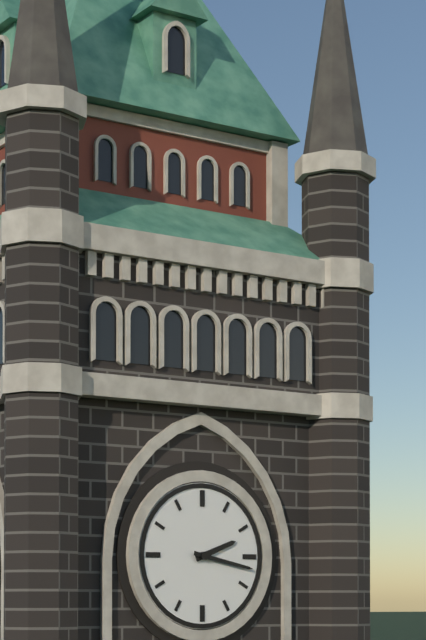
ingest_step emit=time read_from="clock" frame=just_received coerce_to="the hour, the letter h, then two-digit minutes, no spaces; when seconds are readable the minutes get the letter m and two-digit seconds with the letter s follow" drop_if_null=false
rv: 2h17
